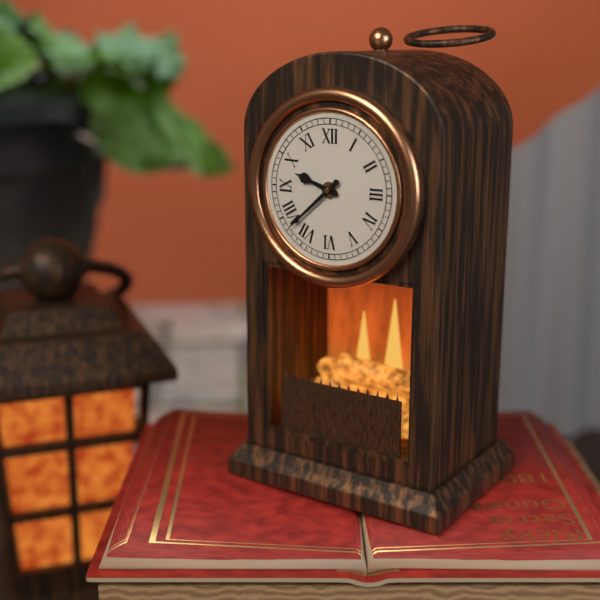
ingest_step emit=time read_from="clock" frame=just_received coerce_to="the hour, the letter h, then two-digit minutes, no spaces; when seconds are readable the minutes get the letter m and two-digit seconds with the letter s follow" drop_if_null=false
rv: 9h38
